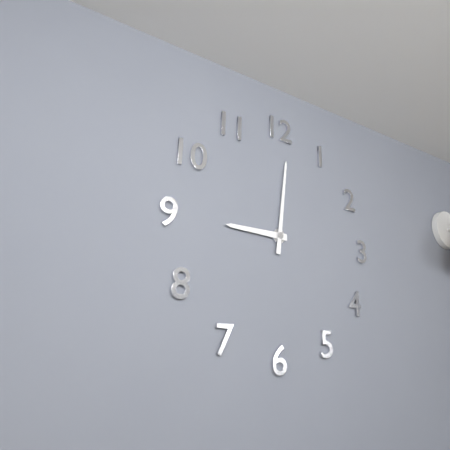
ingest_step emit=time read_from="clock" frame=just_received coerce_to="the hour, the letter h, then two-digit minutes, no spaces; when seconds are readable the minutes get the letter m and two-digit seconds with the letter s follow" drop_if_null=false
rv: 9h01
